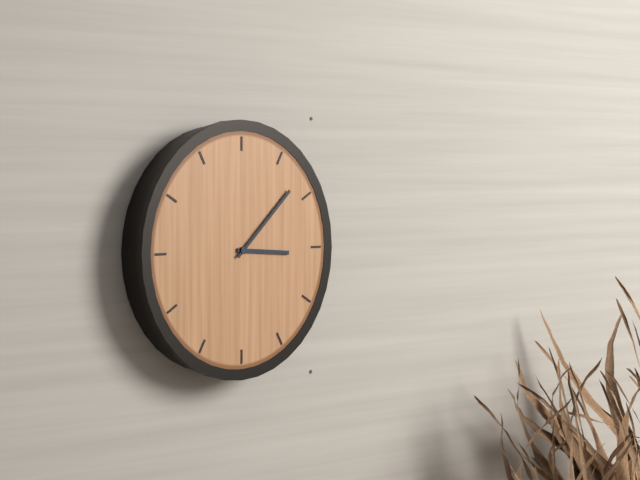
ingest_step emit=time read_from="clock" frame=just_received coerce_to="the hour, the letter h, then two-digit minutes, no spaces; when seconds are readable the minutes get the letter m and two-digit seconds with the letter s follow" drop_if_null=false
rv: 3h08
